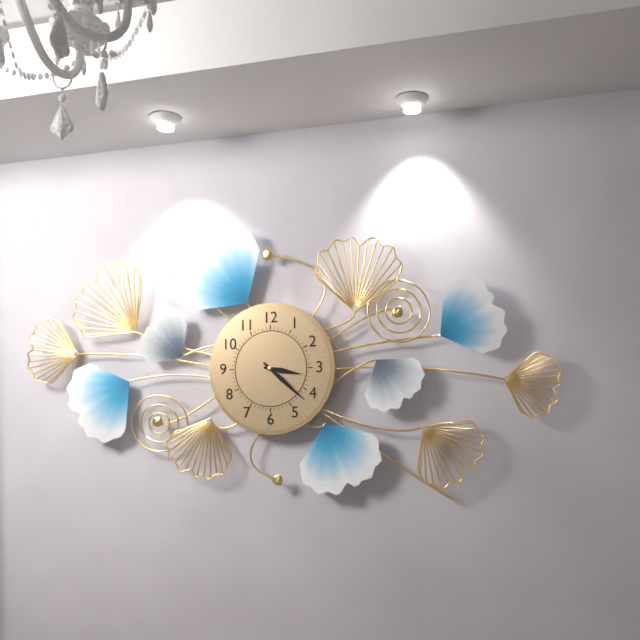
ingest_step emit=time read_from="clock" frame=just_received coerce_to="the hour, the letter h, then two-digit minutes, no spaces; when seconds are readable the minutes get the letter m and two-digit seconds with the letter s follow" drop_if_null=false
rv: 3h22
